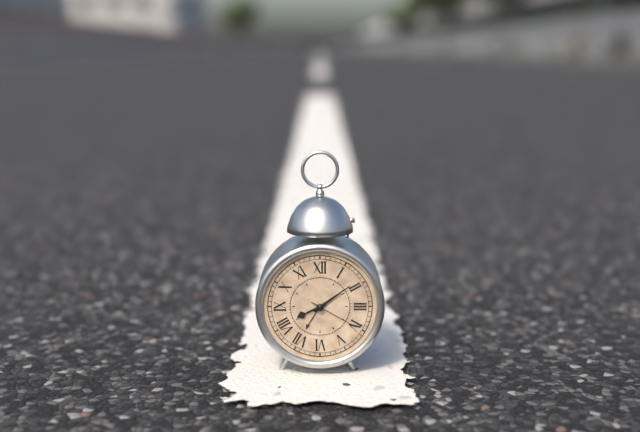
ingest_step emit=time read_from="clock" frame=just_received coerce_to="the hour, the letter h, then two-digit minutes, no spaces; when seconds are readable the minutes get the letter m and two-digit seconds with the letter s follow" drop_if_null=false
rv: 8h09m20s
